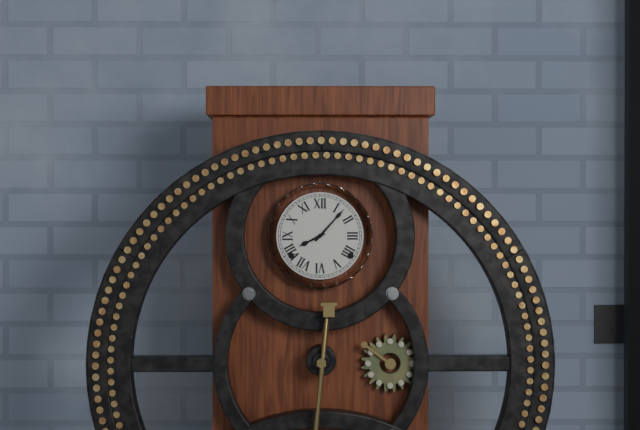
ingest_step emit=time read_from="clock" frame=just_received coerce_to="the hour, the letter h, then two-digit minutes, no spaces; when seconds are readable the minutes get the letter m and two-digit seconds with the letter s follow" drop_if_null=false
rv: 8h07
